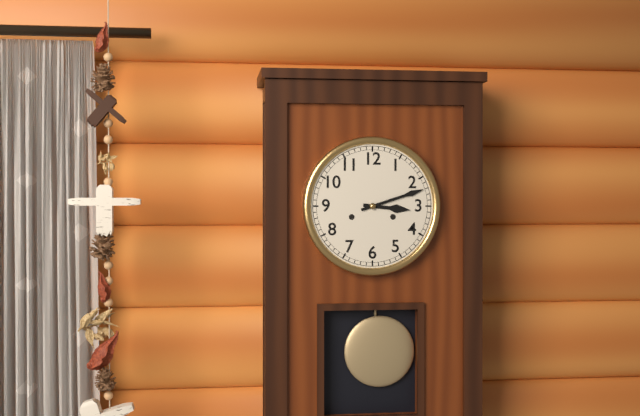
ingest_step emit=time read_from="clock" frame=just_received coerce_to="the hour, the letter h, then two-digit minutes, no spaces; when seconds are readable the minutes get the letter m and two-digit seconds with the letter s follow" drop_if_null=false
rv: 3h12
